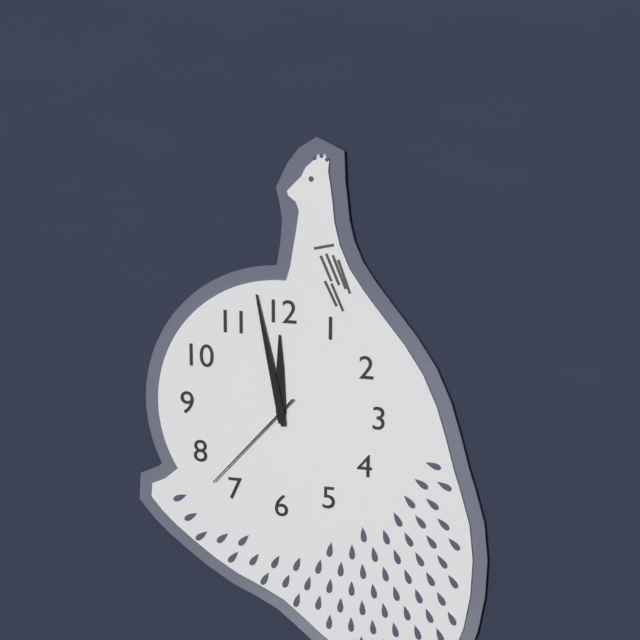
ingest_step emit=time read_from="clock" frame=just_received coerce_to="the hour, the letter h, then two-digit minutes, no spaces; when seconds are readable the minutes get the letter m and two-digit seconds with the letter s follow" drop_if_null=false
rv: 11h58m37s
